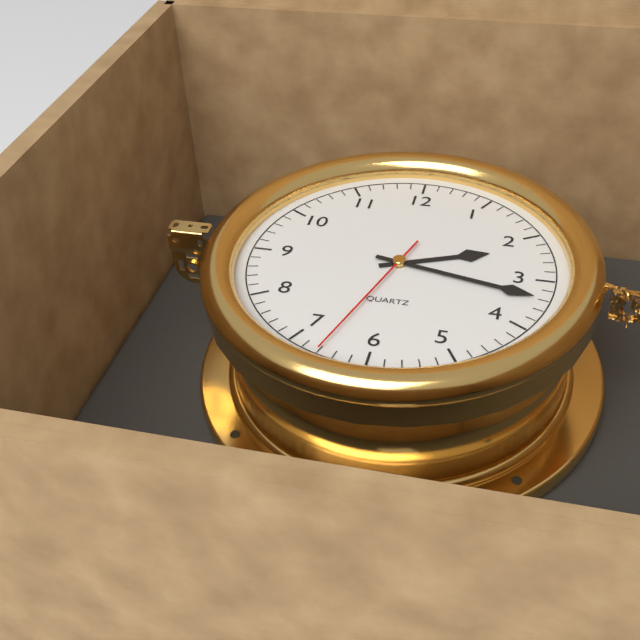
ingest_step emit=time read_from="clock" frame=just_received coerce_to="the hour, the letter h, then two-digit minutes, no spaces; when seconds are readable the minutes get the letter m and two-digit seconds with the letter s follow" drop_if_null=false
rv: 2h17m33s
